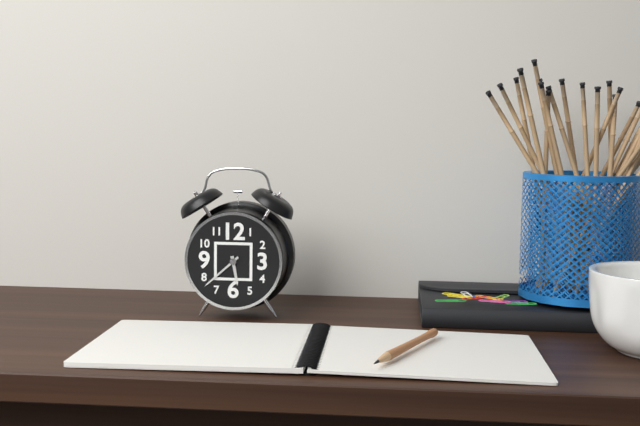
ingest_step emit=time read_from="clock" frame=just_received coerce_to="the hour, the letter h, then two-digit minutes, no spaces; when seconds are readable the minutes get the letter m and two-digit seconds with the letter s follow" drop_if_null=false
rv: 5h38
